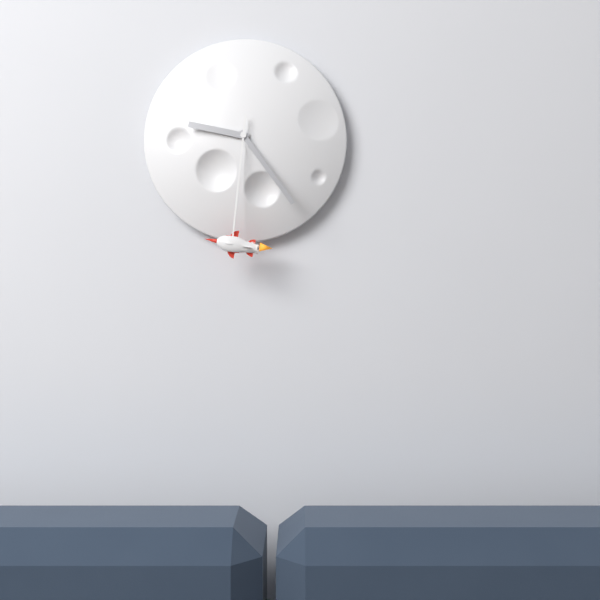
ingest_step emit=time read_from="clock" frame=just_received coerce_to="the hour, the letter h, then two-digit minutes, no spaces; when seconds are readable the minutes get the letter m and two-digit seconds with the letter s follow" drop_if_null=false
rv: 9h24m31s
